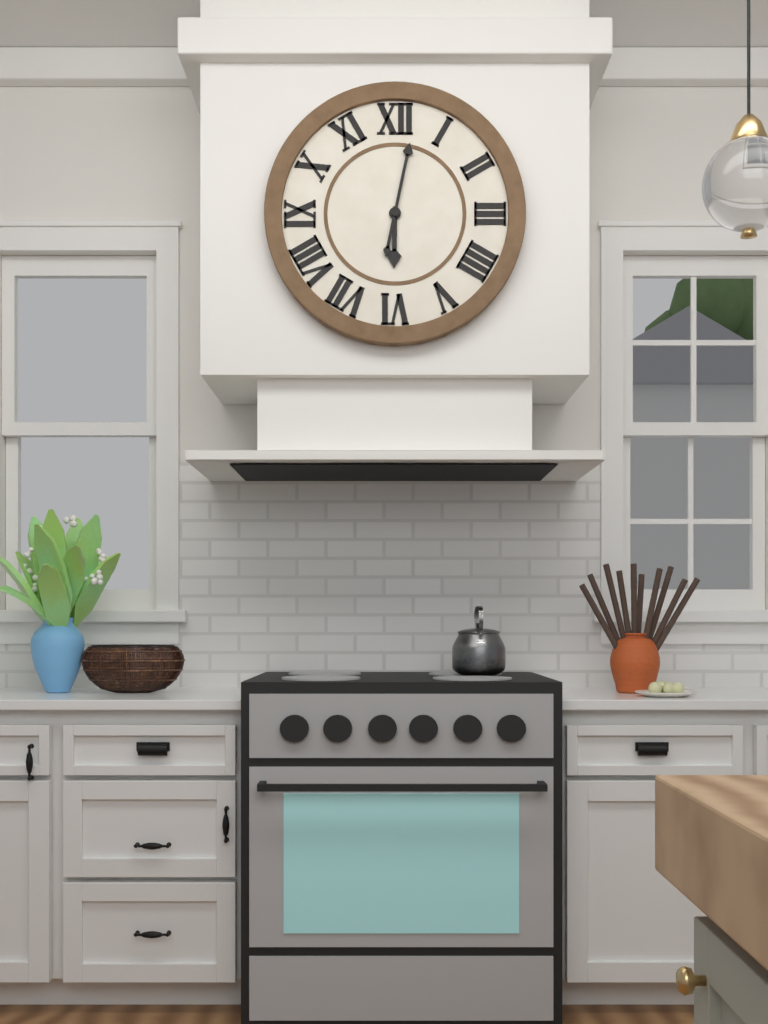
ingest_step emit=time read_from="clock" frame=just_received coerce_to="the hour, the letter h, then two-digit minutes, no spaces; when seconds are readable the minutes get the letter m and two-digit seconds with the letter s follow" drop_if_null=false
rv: 6h02
